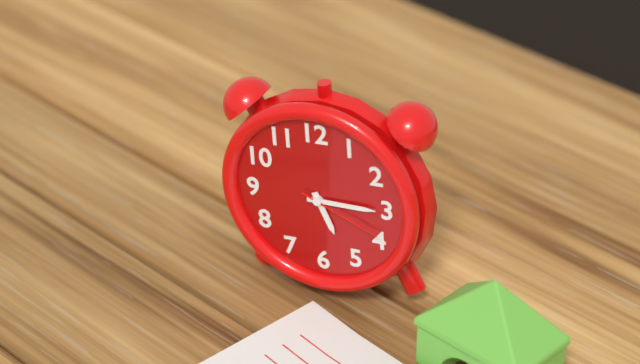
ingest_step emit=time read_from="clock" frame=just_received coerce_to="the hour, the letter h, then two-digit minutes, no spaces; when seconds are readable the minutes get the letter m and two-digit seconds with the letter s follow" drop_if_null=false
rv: 5h15m19s
